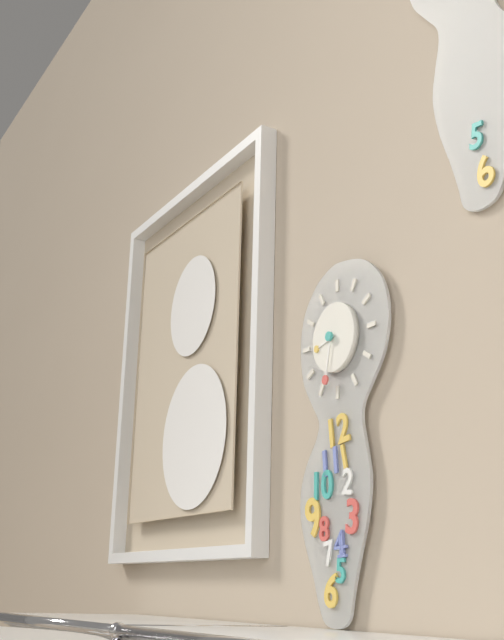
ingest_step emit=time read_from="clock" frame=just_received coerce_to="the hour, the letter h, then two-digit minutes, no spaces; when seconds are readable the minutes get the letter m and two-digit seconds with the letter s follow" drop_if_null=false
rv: 8h32
